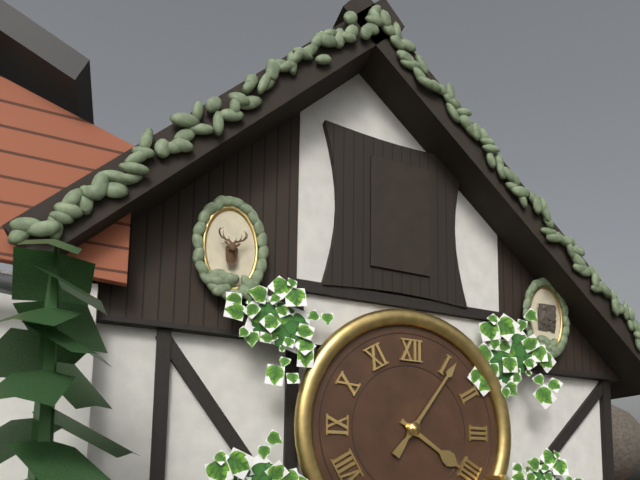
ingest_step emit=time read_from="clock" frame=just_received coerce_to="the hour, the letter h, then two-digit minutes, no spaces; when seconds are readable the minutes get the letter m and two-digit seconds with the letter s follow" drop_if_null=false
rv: 4h06
